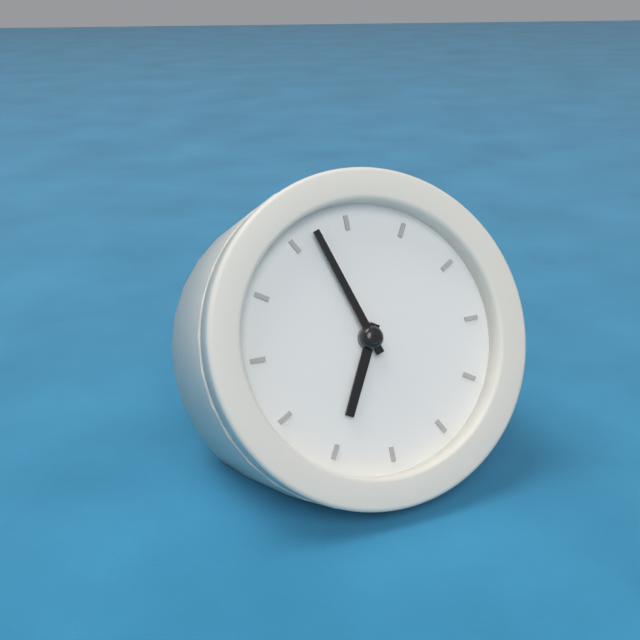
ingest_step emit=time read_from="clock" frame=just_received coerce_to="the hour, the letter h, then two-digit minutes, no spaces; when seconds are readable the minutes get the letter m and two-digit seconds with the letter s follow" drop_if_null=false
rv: 6h57
